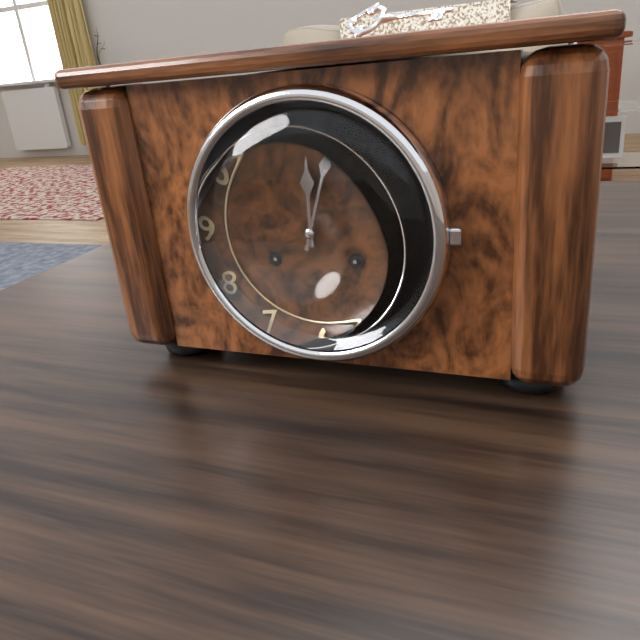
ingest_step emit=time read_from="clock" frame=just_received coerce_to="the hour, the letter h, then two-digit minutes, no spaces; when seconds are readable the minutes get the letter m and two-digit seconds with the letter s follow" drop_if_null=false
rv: 12h03
